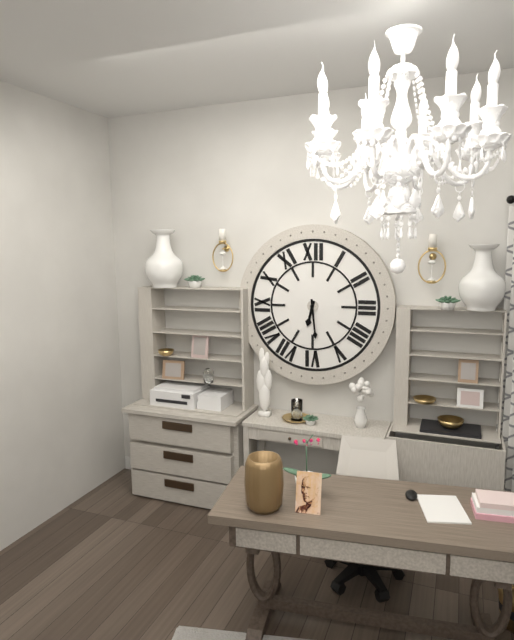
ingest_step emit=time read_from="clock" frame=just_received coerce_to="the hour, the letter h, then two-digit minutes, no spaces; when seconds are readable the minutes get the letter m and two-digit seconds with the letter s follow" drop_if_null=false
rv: 6h29
